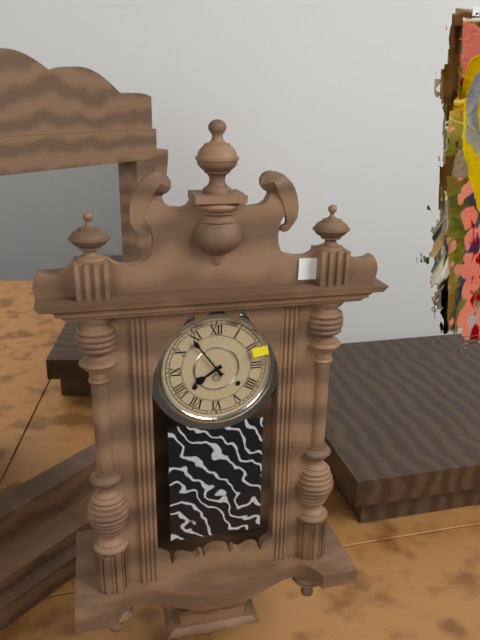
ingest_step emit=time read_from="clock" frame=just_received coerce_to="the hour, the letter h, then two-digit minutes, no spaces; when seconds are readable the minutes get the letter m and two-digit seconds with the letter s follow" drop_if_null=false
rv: 7h54
